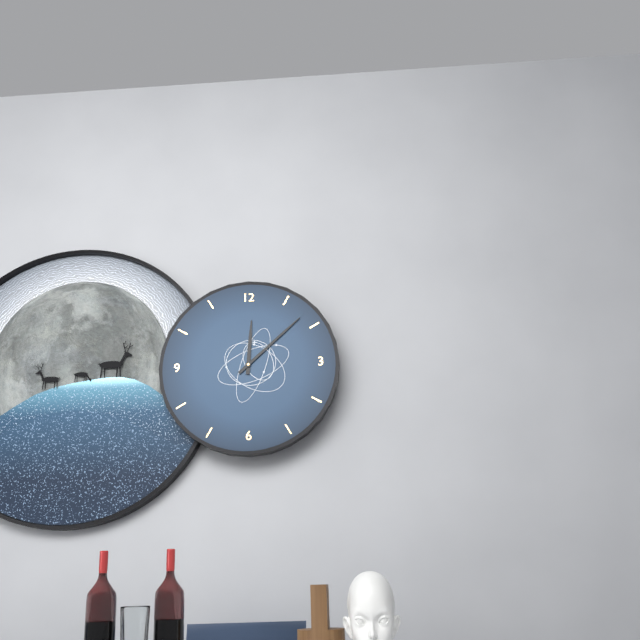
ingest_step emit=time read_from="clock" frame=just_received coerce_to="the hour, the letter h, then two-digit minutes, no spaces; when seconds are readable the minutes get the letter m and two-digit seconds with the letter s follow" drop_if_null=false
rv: 12h08
